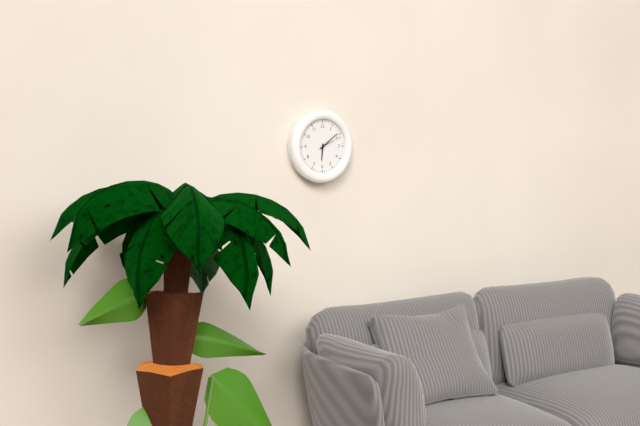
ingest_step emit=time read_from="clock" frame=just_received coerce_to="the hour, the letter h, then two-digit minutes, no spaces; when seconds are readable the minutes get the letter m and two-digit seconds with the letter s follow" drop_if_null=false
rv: 6h09
